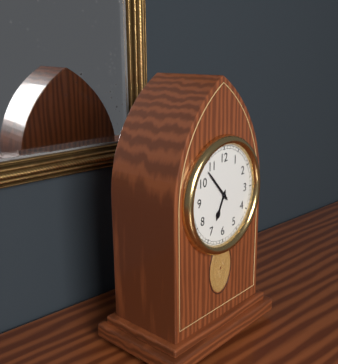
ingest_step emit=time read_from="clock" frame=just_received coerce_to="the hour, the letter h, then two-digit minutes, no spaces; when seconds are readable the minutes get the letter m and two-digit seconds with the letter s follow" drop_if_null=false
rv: 6h53
